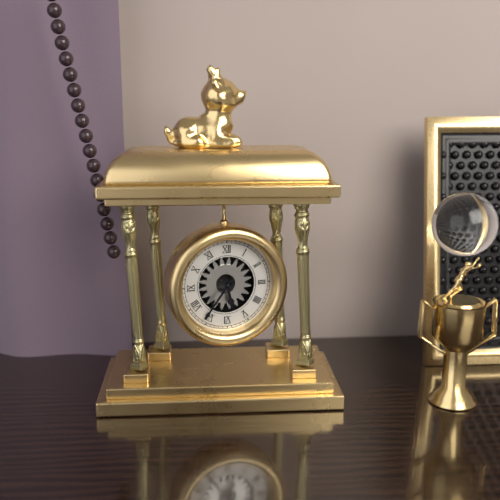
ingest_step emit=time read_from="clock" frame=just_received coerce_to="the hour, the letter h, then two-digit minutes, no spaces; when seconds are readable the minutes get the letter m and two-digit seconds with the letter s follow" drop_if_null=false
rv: 5h36
